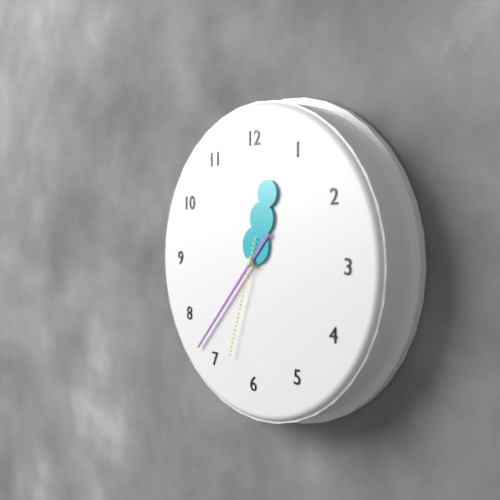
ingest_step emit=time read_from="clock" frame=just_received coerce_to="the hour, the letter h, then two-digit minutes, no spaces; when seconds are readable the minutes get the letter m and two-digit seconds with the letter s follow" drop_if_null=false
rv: 12h37m33s
